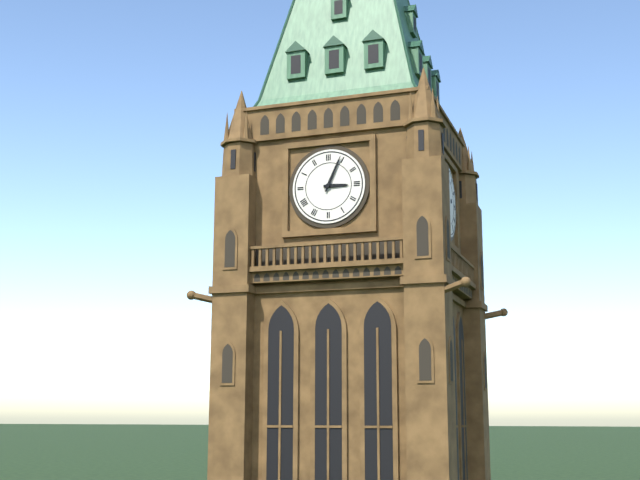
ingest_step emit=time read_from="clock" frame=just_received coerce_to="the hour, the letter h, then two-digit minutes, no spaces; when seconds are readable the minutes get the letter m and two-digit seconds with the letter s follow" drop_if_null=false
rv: 3h04
